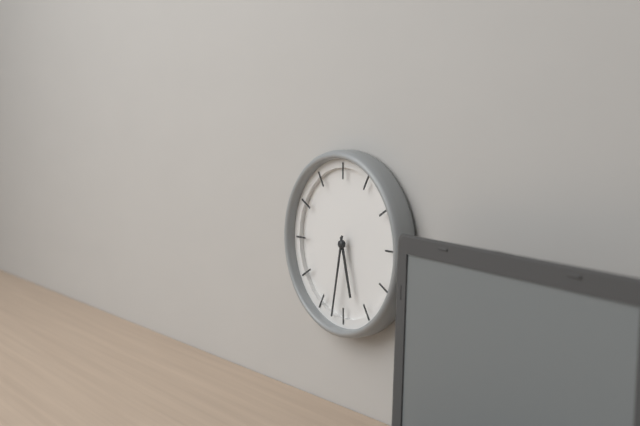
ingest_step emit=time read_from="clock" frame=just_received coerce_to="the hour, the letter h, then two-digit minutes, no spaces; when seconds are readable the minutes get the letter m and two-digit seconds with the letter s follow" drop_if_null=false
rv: 5h32
